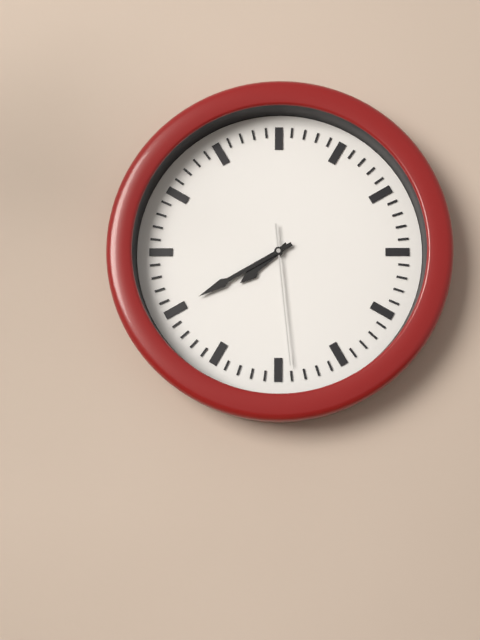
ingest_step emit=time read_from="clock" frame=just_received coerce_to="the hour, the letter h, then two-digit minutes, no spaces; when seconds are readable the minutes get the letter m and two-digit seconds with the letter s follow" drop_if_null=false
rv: 7h40m29s
